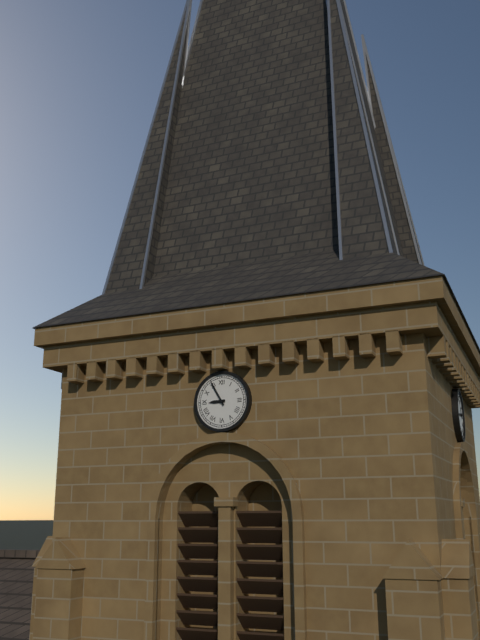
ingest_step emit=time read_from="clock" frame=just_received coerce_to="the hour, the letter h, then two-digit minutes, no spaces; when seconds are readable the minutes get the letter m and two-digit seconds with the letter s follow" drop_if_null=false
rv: 8h55
